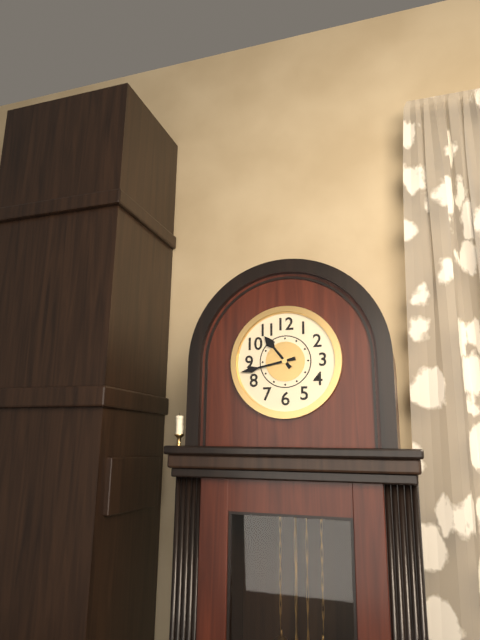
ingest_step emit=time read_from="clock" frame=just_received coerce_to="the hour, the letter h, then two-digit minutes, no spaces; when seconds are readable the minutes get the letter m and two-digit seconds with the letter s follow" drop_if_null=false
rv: 10h43
